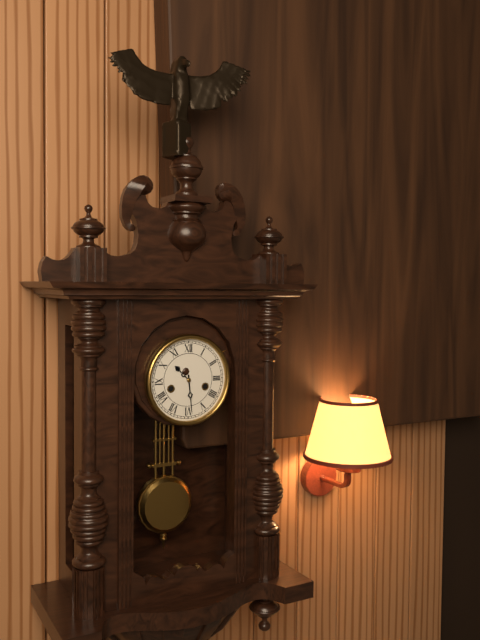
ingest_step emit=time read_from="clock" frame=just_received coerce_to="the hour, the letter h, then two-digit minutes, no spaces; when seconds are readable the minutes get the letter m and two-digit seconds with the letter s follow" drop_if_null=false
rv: 10h29
